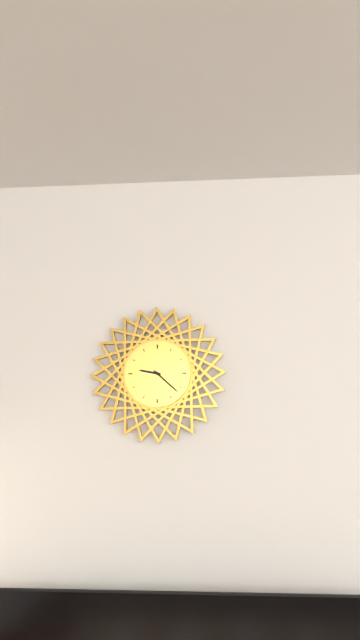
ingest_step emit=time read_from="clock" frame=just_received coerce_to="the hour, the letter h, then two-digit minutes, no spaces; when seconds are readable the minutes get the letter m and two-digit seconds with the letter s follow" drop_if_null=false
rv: 9h22
